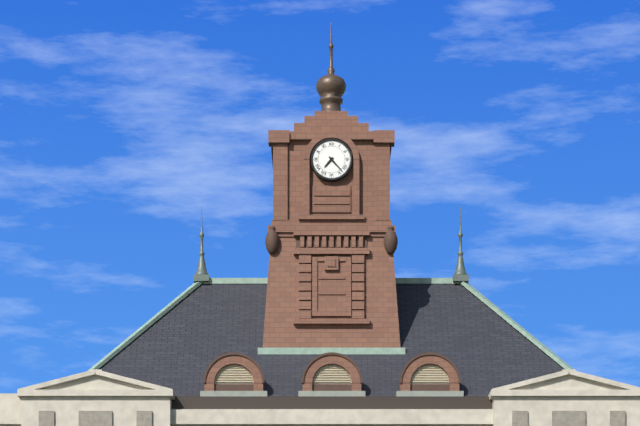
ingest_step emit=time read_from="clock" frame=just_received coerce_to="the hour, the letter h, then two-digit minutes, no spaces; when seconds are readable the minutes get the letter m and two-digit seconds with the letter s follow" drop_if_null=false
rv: 7h23
